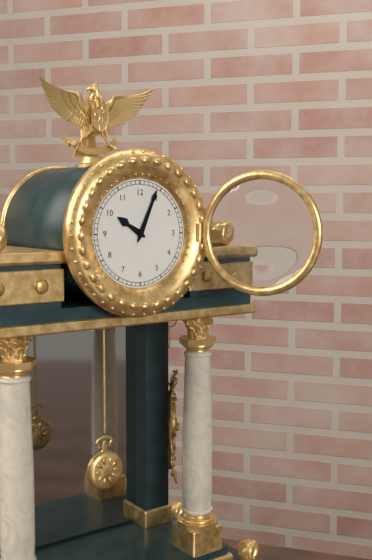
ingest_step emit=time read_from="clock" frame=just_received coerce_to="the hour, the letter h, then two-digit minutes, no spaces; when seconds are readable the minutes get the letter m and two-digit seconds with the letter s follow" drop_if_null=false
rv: 10h04
